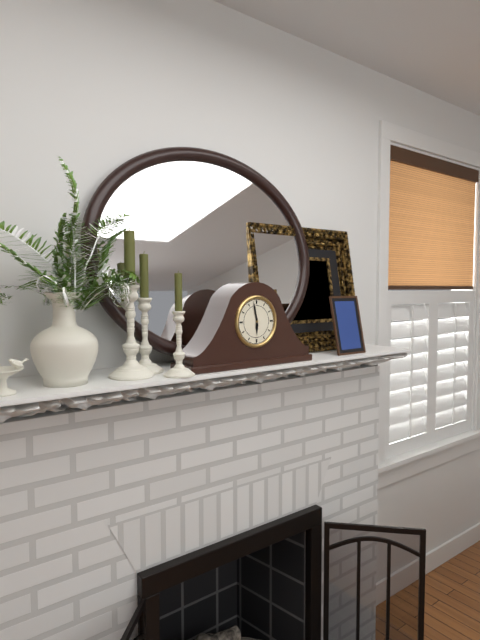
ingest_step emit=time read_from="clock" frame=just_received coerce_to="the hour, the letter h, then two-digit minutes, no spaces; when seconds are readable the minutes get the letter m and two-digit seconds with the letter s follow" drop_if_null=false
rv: 5h58
